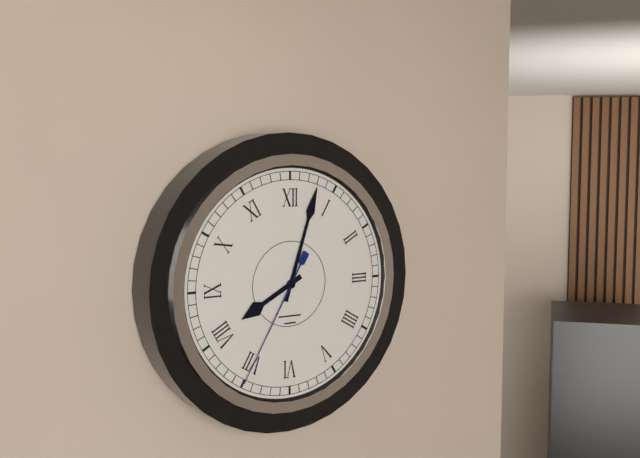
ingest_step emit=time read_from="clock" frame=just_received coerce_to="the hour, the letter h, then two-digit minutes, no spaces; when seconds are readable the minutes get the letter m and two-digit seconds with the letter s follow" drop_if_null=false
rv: 8h03m35s
